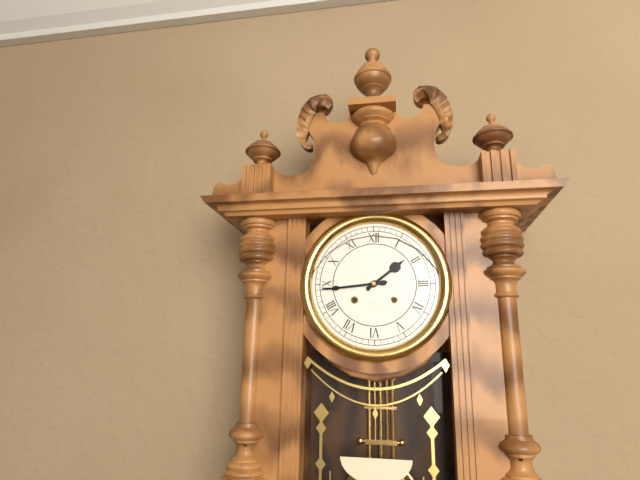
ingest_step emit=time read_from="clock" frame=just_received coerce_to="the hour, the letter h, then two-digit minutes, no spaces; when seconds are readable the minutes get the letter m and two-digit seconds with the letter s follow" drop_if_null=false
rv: 1h44
